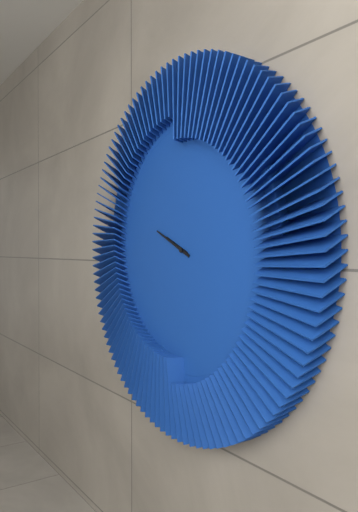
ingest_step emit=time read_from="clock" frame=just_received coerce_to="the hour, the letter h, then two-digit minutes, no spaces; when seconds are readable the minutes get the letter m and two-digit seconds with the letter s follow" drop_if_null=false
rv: 9h49
